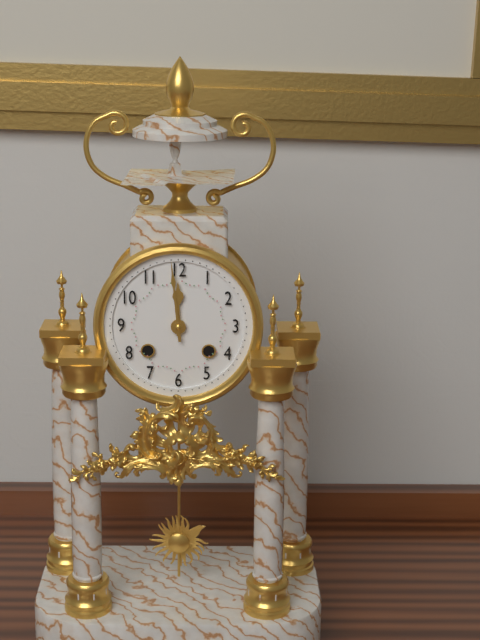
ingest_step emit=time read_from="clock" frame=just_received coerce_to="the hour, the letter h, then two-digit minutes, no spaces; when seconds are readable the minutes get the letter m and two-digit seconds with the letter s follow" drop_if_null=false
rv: 11h59
